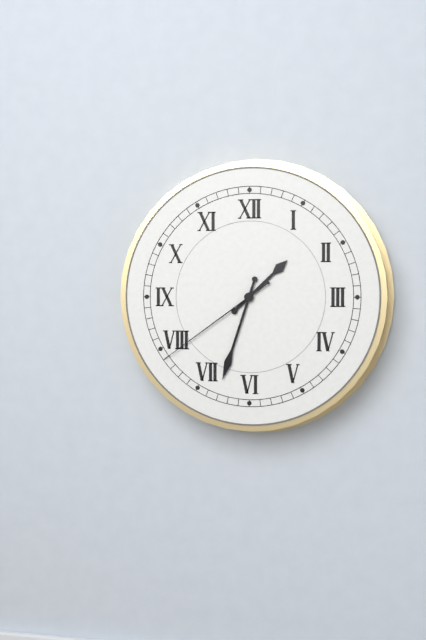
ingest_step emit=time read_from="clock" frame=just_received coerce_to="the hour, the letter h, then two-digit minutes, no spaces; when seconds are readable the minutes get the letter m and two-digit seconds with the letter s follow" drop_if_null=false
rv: 1h33m39s
